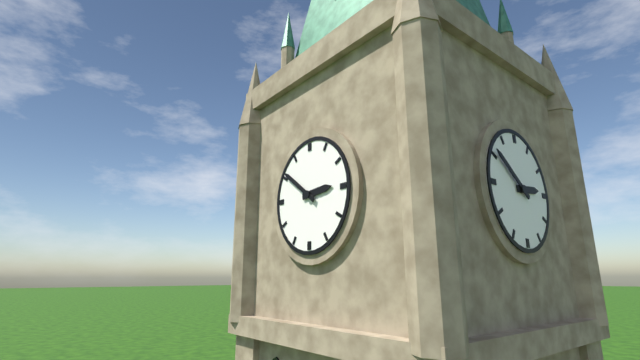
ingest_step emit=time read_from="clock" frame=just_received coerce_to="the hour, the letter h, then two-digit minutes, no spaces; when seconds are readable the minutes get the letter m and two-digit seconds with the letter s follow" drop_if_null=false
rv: 2h51
